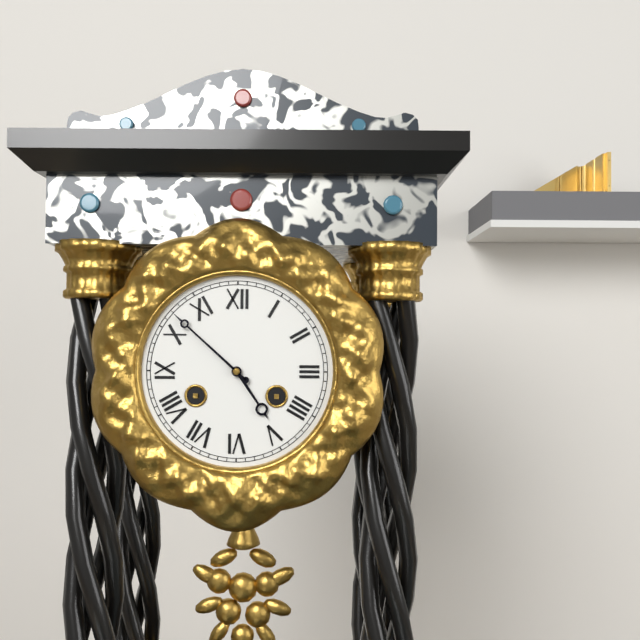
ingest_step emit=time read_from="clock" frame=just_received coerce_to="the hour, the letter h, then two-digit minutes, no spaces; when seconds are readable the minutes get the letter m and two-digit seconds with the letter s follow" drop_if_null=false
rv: 4h52
